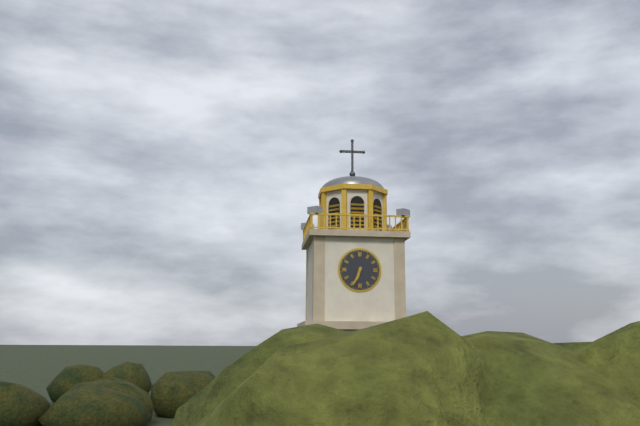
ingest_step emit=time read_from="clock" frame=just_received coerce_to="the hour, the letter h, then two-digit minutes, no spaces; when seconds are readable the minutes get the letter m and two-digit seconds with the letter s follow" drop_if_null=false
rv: 6h34
